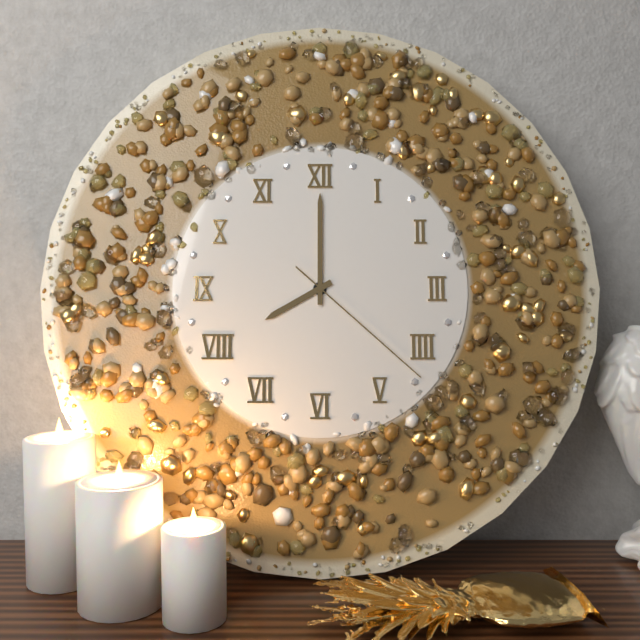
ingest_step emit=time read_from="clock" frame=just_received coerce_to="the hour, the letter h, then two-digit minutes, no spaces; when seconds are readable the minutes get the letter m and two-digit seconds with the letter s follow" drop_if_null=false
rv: 8h00m22s
